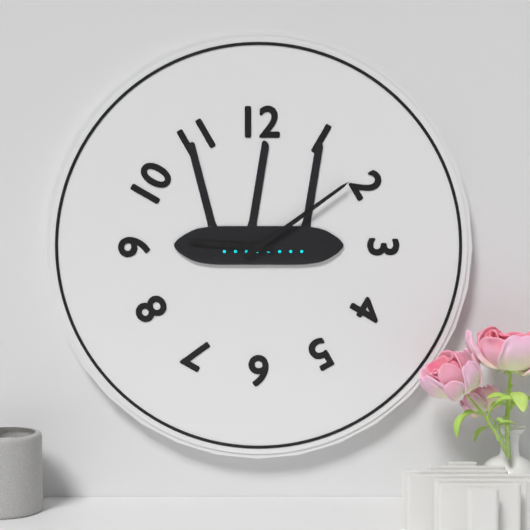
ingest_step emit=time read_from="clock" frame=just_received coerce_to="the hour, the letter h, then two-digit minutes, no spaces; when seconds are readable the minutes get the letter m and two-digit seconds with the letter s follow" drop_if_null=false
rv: 9h09
